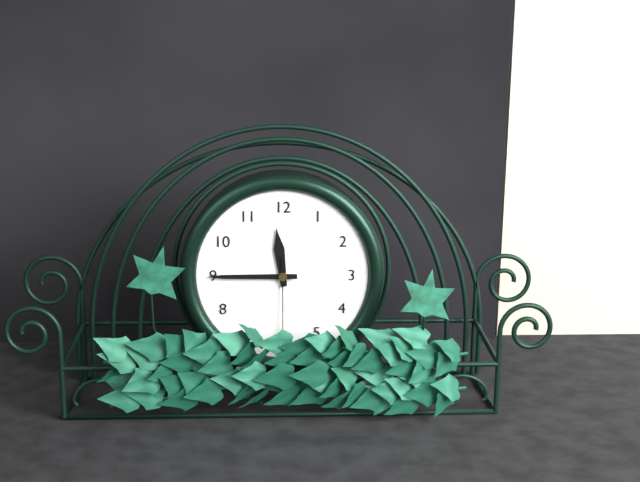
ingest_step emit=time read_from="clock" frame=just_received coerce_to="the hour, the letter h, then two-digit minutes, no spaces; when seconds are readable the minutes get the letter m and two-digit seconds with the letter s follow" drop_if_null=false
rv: 11h45m30s
